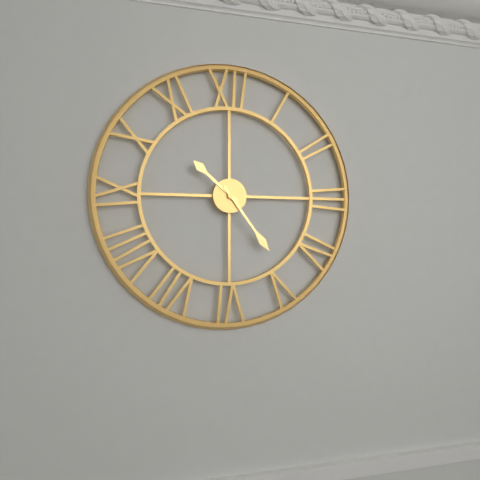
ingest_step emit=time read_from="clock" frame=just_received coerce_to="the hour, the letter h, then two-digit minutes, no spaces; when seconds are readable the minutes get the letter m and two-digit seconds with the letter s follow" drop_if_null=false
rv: 10h24
